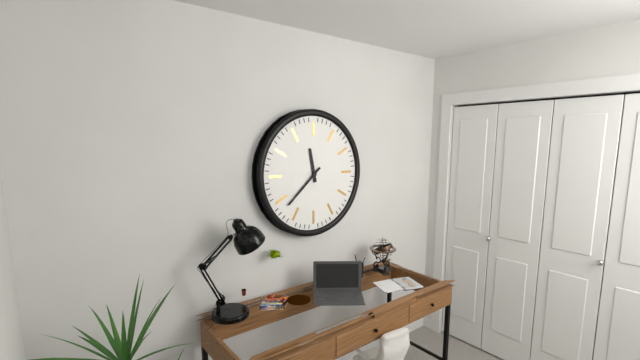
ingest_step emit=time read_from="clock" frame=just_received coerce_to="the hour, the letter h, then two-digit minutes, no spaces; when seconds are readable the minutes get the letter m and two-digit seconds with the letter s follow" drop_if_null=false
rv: 11h38
